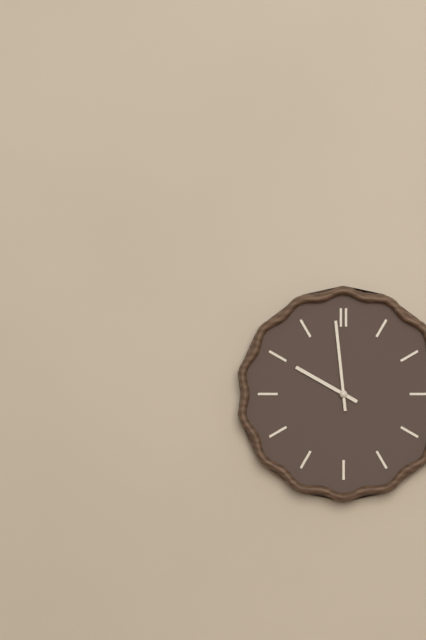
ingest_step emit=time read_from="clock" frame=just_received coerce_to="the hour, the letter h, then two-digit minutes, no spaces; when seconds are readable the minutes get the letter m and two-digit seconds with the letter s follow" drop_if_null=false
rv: 9h59
